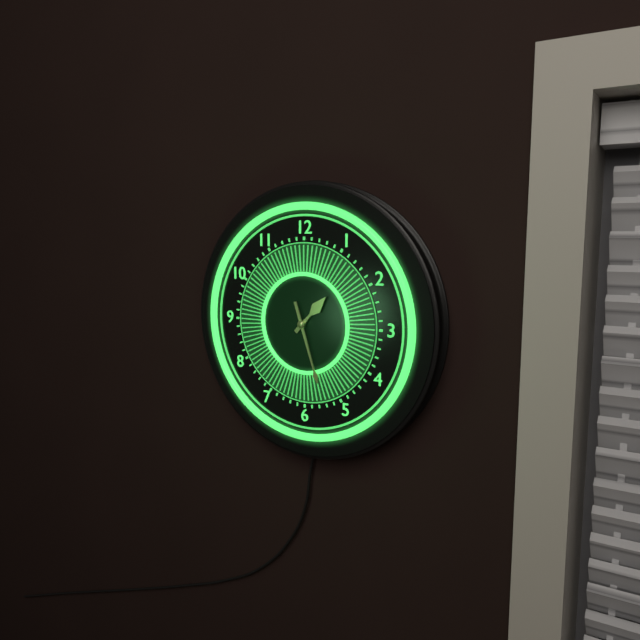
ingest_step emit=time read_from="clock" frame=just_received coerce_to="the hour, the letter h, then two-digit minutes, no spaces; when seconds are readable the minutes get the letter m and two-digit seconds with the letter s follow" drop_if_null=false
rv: 1h27
